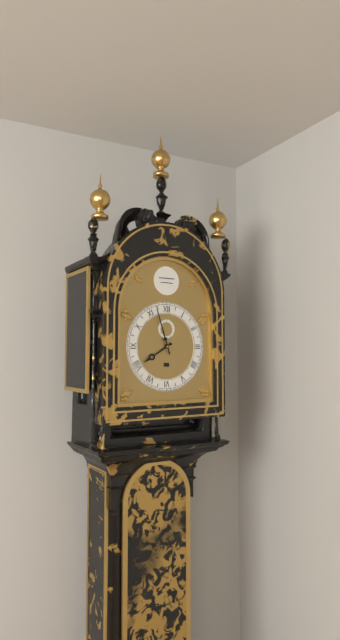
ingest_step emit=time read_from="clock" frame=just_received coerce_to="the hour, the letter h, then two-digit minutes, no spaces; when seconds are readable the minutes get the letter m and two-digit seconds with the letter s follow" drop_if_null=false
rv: 7h57
